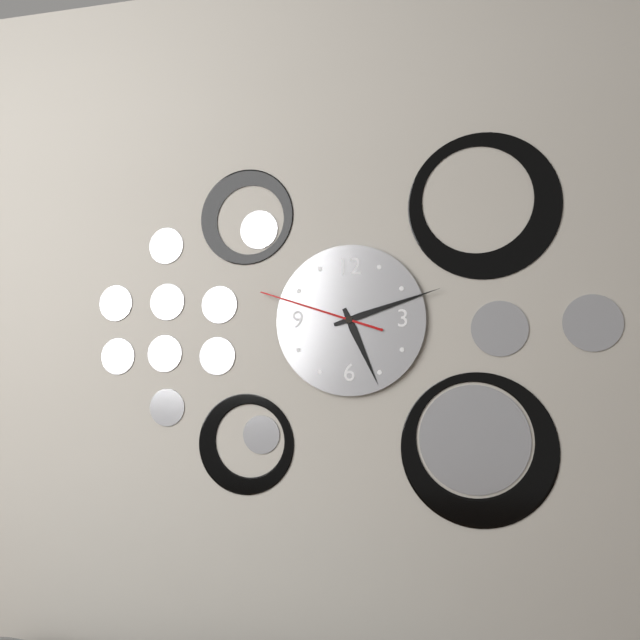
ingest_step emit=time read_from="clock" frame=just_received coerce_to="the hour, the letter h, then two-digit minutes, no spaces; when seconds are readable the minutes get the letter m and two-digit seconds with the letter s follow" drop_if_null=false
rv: 5h12m48s
